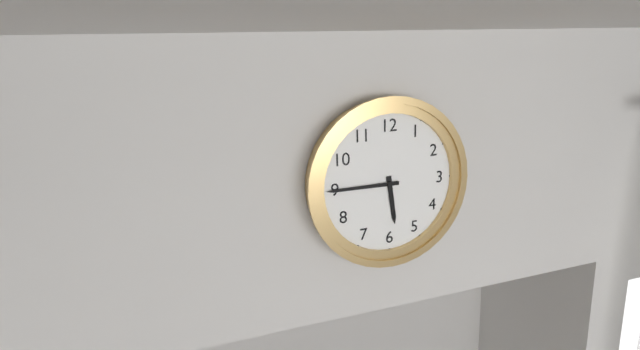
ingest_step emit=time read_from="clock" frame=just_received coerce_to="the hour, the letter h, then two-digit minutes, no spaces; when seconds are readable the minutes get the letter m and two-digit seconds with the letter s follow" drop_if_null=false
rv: 5h45
